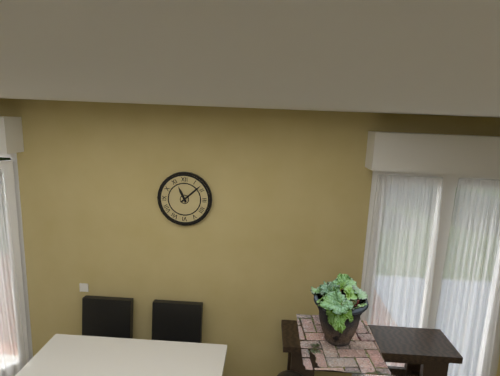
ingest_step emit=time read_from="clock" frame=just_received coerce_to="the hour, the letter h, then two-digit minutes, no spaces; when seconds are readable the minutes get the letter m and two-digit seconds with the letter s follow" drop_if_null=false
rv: 11h08
